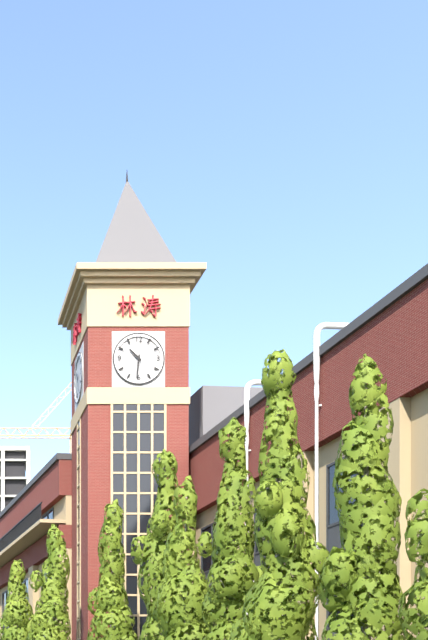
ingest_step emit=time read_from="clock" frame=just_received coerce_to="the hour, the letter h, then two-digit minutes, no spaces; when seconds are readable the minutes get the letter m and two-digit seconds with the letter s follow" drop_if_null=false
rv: 10h31
